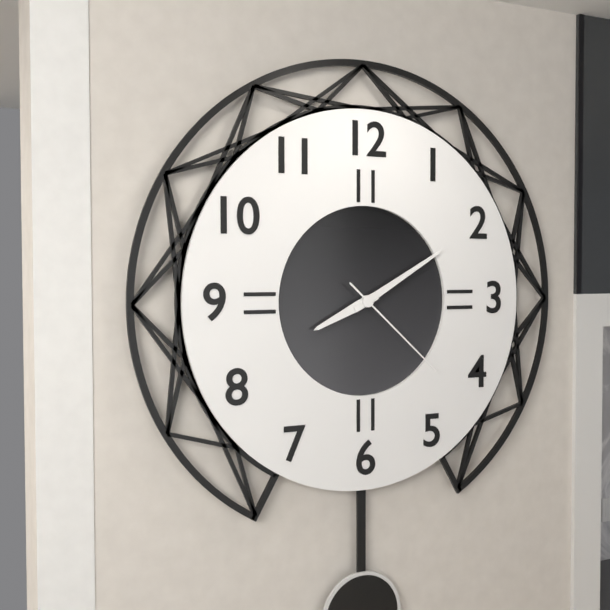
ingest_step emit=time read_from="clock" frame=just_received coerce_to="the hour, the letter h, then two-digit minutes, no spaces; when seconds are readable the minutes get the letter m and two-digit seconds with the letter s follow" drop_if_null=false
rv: 8h10m22s
